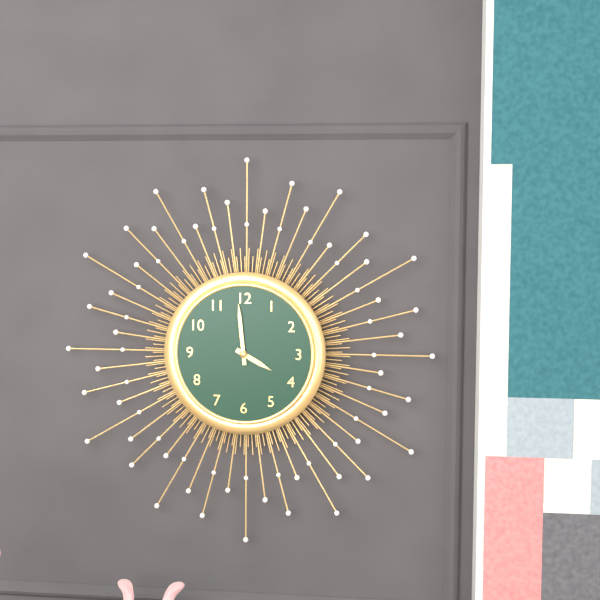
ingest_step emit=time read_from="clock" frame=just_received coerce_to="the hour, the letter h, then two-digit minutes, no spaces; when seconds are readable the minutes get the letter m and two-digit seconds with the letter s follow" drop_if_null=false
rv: 3h59
